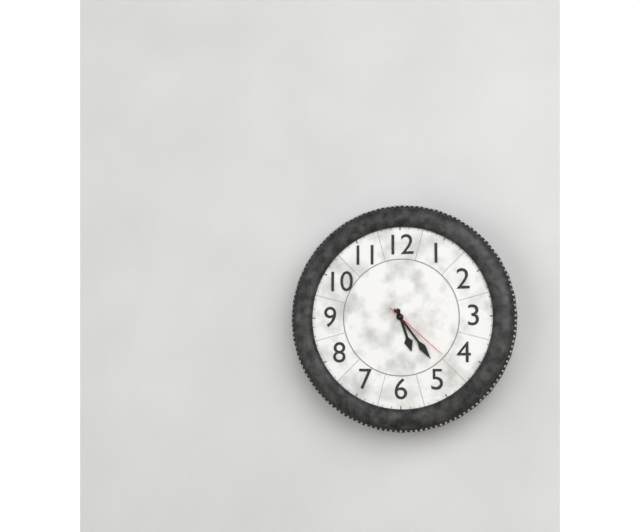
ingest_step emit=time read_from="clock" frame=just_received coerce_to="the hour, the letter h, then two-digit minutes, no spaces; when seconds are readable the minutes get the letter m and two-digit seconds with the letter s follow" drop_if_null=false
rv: 5h24m22s
